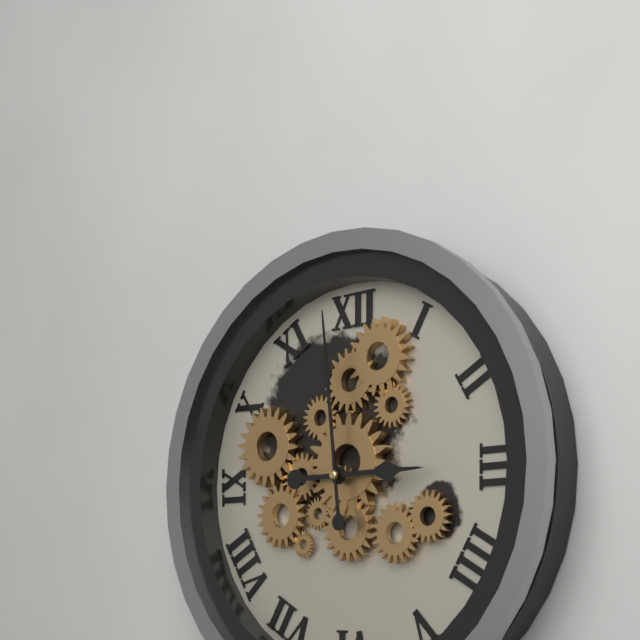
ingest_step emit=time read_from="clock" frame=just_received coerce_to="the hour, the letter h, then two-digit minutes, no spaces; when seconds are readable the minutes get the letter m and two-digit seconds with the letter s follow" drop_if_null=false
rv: 2h59
